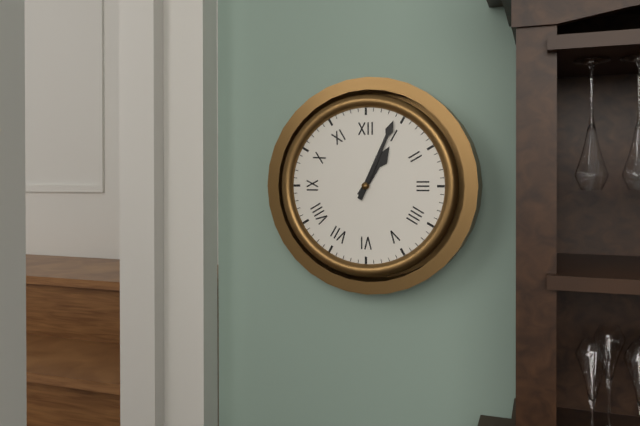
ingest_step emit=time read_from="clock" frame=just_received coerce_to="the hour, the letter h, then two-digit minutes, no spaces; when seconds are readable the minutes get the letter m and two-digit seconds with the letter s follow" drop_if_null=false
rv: 1h04
